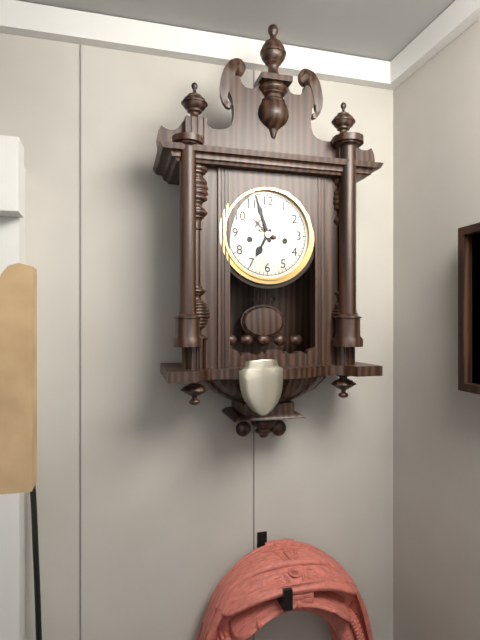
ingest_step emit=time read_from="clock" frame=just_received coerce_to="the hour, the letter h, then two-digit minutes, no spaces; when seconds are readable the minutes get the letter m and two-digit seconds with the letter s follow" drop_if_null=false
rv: 6h57
